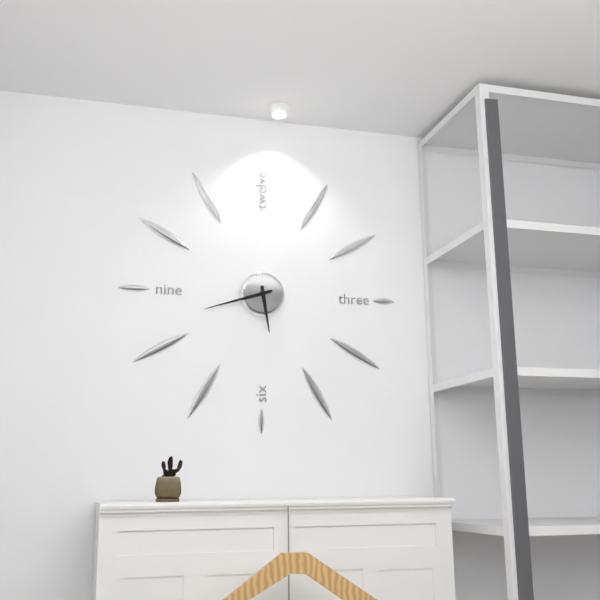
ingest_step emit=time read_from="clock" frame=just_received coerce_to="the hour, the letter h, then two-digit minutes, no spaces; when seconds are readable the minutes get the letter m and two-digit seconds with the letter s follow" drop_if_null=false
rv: 5h42
